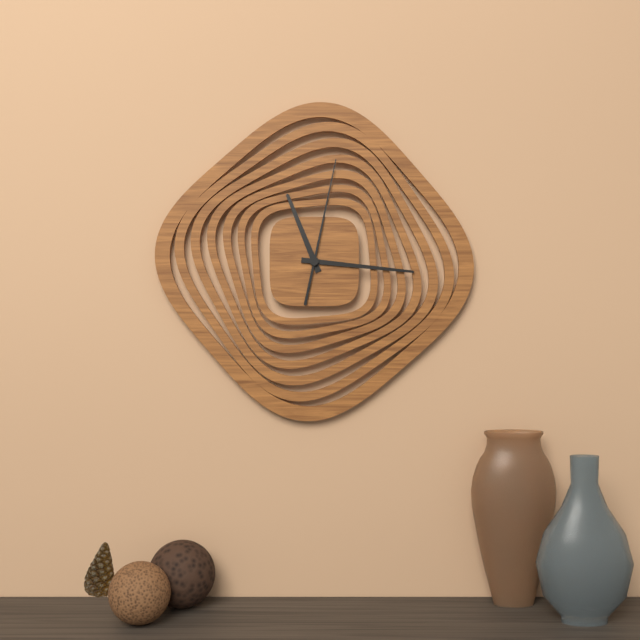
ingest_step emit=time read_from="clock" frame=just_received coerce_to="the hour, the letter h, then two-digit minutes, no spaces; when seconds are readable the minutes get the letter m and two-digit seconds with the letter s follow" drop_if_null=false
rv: 11h16m02s
